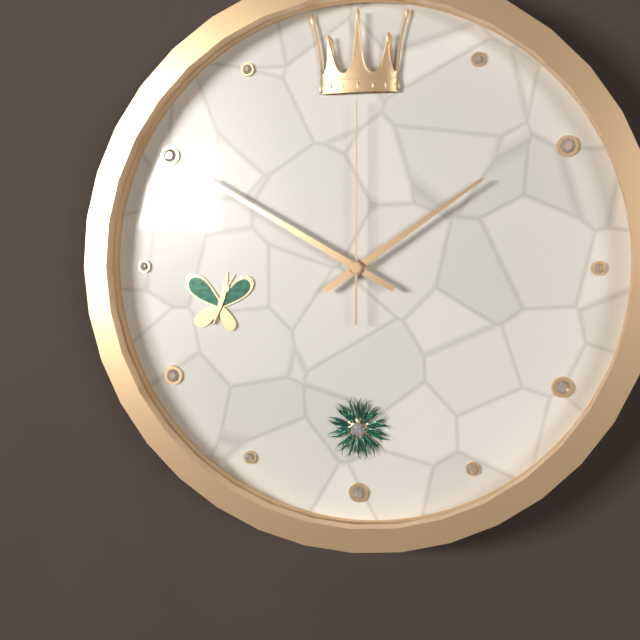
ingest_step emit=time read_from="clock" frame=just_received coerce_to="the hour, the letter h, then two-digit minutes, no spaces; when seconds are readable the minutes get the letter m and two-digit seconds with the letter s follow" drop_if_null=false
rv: 1h50m00s
